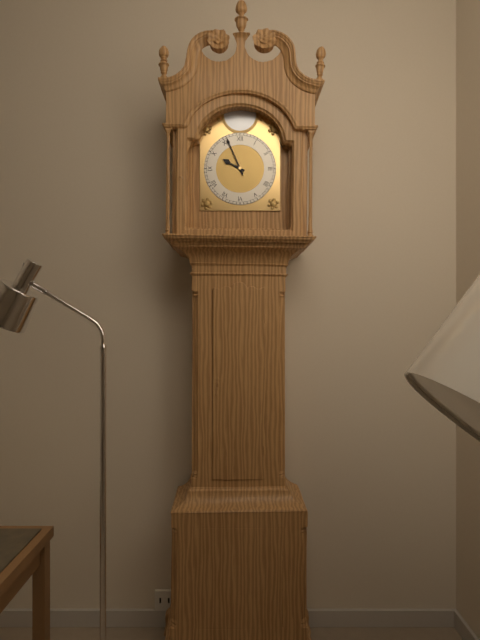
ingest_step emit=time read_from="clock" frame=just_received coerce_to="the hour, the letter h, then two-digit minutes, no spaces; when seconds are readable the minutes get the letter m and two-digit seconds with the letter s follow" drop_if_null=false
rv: 9h56
